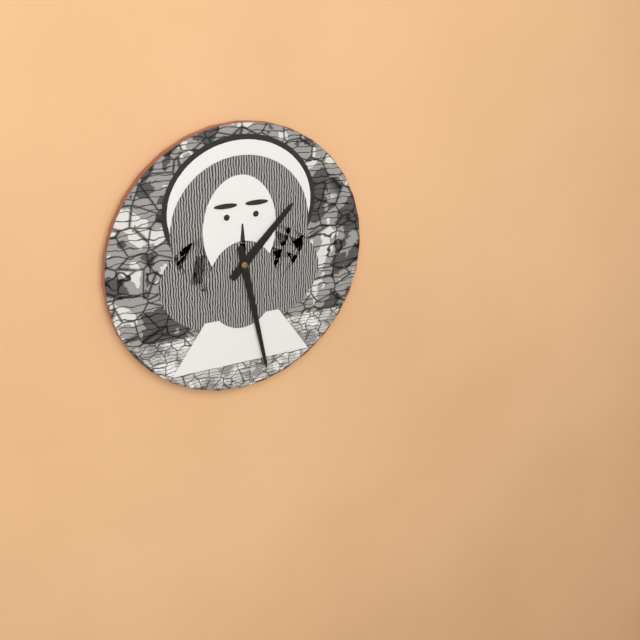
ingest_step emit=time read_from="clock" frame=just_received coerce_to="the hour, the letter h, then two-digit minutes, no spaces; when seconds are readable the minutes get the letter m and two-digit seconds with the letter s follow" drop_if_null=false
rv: 1h28
